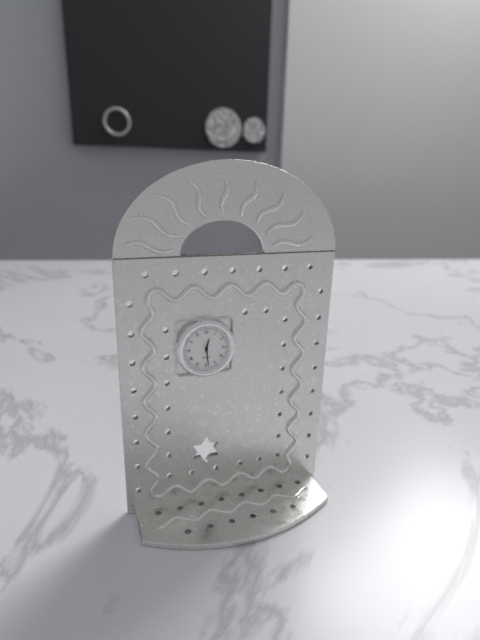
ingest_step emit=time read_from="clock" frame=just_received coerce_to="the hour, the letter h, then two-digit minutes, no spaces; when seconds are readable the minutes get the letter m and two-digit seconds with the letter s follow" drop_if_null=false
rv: 12h29
